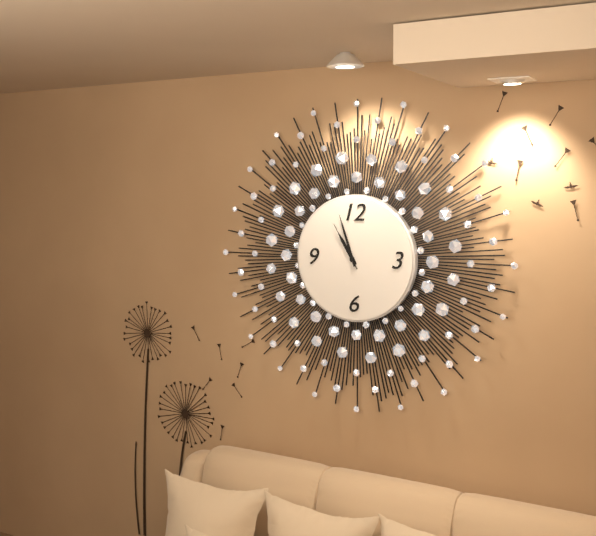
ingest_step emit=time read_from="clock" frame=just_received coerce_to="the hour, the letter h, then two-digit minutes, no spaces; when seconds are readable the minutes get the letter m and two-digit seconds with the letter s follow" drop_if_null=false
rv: 10h57m55s
